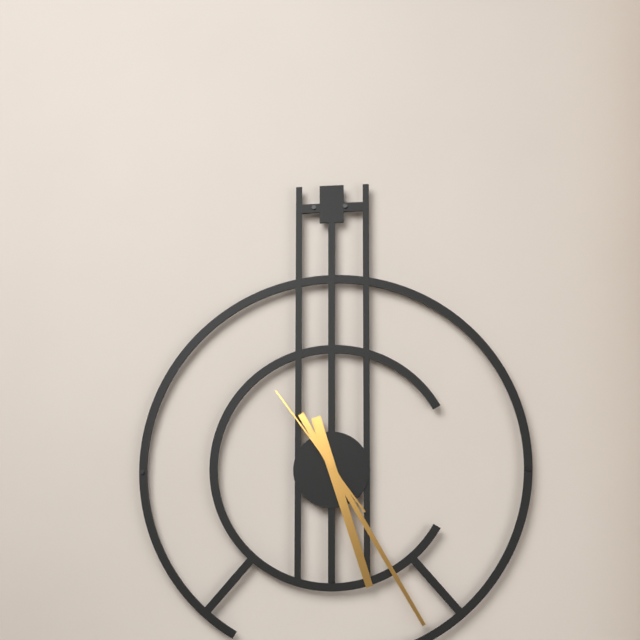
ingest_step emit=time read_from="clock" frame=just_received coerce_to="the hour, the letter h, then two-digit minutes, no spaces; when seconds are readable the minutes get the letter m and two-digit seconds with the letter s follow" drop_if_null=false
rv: 5h25m54s
